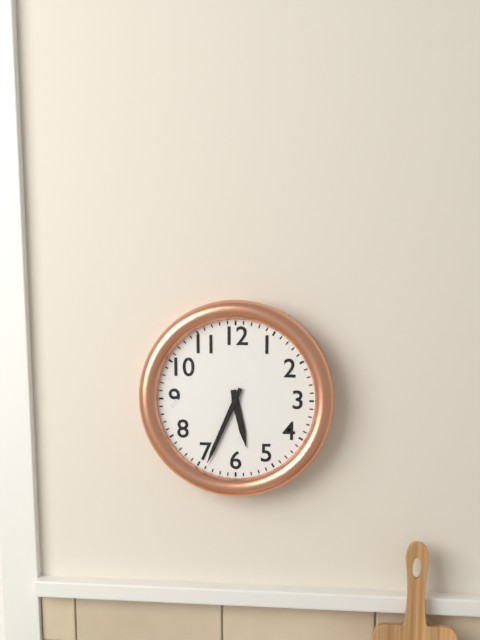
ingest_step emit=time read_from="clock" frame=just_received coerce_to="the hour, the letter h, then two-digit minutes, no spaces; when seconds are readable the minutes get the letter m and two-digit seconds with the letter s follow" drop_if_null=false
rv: 5h34
